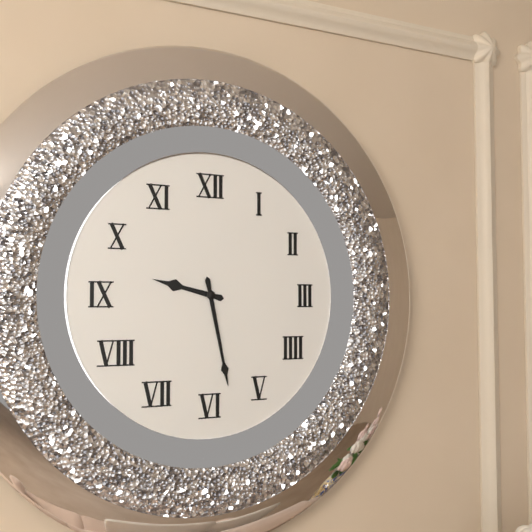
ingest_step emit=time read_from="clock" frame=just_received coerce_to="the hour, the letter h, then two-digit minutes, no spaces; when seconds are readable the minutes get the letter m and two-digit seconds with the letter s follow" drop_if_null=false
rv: 9h28
